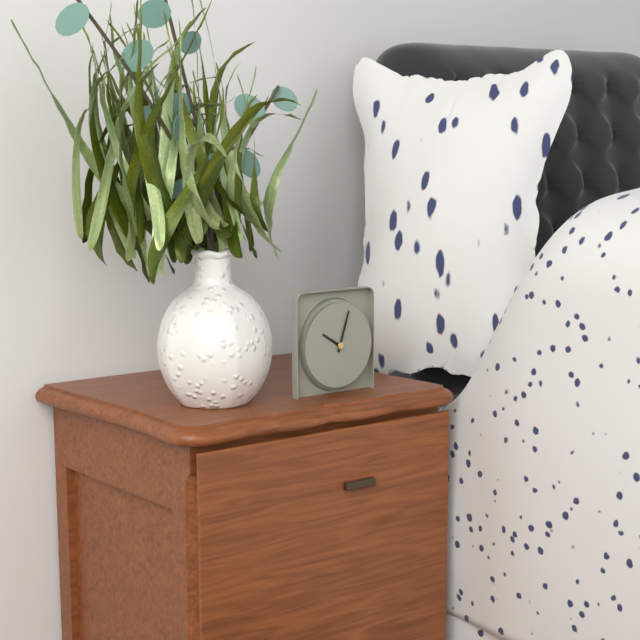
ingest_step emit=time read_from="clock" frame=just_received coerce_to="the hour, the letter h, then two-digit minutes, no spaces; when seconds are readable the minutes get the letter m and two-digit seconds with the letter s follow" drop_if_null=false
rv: 10h03
